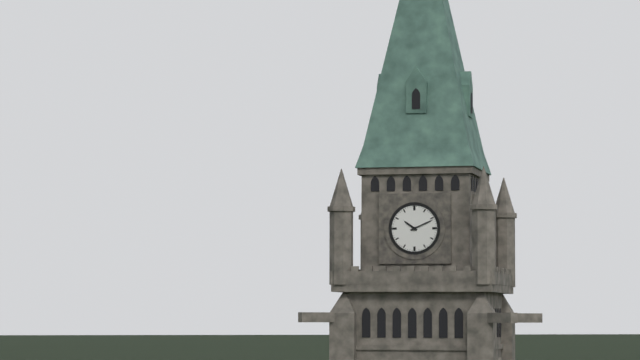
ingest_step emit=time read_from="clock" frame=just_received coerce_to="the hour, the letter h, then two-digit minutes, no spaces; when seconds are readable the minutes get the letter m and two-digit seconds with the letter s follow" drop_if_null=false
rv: 10h11
